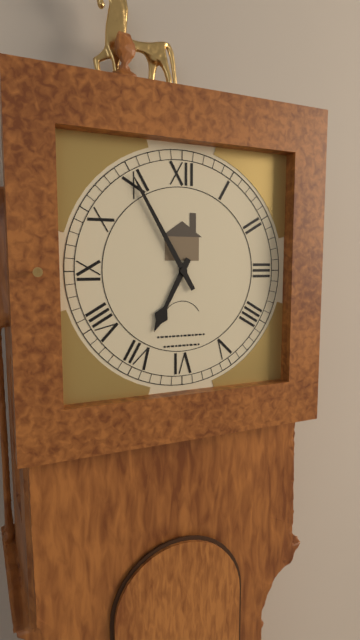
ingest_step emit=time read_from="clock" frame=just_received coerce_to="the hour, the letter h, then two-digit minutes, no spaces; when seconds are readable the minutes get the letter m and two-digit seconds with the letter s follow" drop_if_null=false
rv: 6h55
